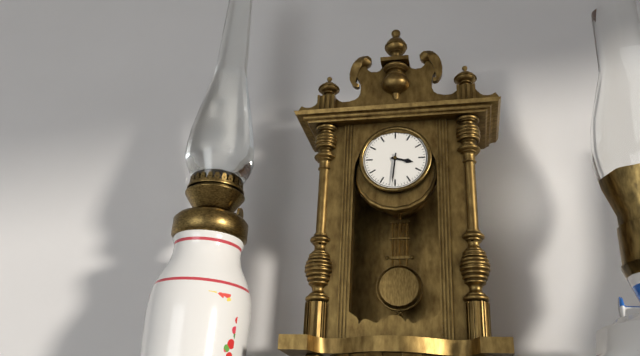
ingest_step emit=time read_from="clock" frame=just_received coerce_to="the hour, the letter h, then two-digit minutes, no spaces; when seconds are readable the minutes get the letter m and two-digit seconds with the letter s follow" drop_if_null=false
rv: 3h31
